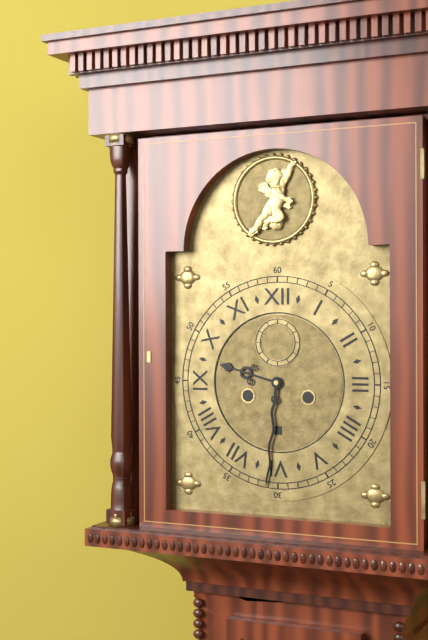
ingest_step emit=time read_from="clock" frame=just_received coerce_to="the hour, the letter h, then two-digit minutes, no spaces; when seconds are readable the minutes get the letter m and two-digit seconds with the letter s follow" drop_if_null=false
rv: 9h31
